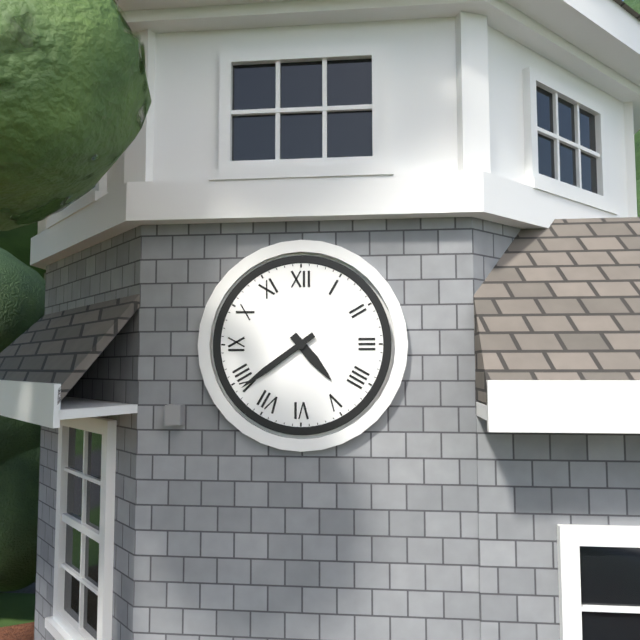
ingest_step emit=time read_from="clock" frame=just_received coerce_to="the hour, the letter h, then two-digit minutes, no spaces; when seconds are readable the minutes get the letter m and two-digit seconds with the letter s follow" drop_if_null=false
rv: 4h39
